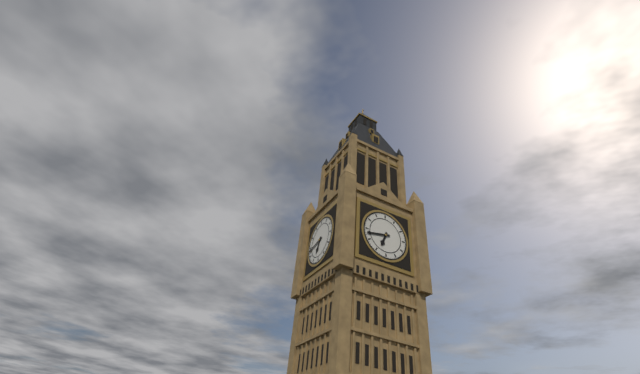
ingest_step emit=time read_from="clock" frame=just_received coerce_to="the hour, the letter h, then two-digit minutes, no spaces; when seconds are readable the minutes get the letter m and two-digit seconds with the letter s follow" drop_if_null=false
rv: 6h43
